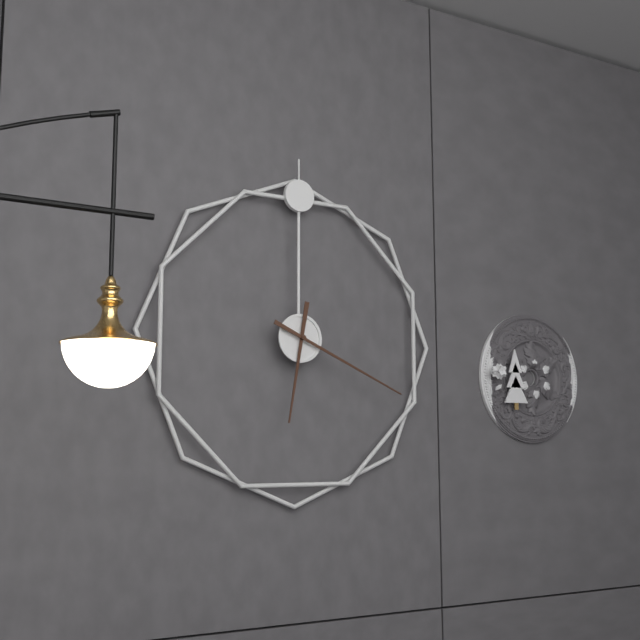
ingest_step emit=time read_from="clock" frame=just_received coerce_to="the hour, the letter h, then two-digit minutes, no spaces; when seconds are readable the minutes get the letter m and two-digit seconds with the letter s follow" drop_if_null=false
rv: 6h19
